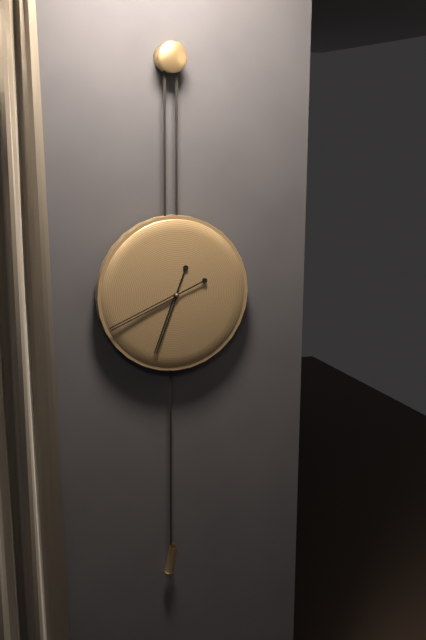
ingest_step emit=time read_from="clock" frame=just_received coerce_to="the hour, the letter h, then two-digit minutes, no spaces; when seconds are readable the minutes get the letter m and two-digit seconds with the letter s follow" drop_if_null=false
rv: 6h41
